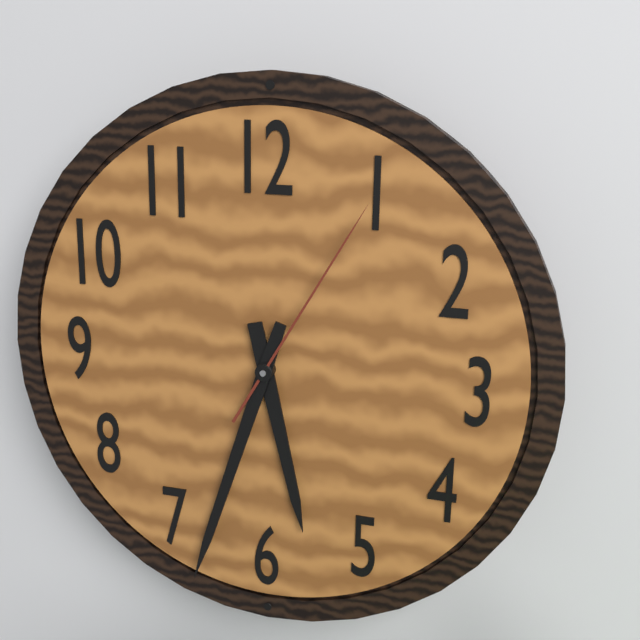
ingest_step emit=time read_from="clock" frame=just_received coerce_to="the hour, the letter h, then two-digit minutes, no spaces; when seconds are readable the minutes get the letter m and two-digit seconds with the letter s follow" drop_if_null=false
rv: 5h33m05s
